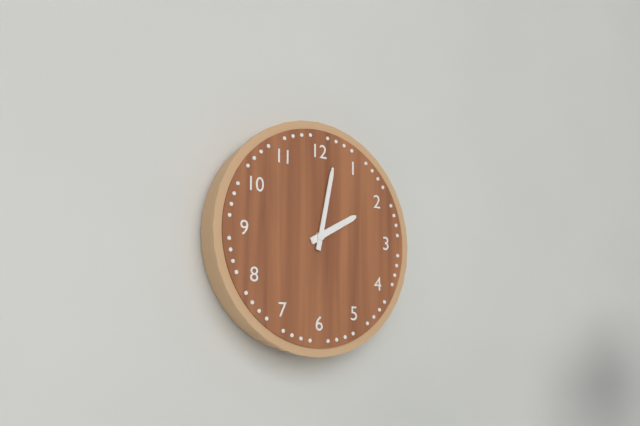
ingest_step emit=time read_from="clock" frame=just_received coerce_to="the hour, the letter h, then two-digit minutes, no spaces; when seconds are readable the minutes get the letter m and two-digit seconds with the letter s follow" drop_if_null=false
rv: 2h02
